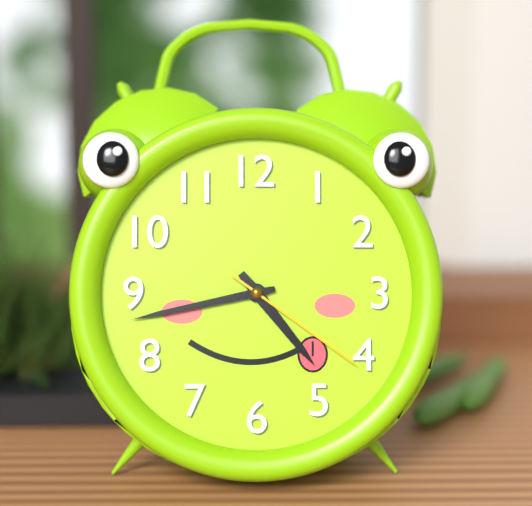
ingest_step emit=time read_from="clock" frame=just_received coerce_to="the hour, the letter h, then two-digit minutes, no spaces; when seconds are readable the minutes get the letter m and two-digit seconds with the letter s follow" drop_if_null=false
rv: 4h43m21s
